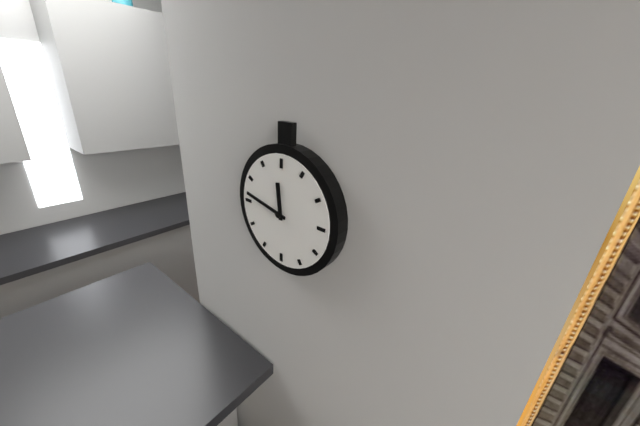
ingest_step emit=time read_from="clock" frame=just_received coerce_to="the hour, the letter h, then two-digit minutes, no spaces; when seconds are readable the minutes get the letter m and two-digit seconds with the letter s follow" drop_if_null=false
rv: 11h47
